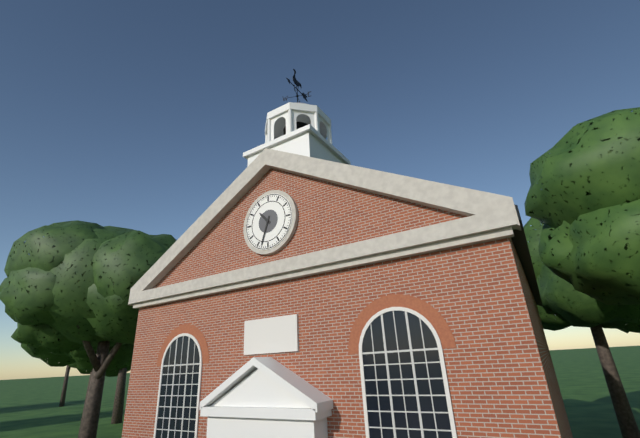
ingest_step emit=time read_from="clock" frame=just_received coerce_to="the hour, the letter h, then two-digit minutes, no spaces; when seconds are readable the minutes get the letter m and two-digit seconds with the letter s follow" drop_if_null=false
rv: 10h33
